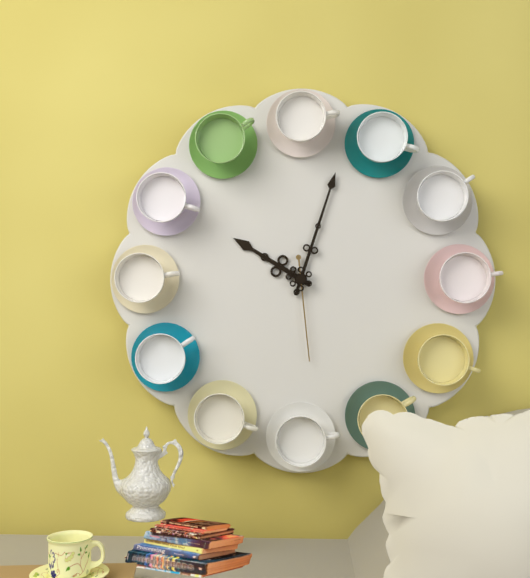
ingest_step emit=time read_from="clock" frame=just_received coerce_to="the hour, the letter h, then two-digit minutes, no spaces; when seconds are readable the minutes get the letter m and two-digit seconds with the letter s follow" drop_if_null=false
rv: 10h03m29s
